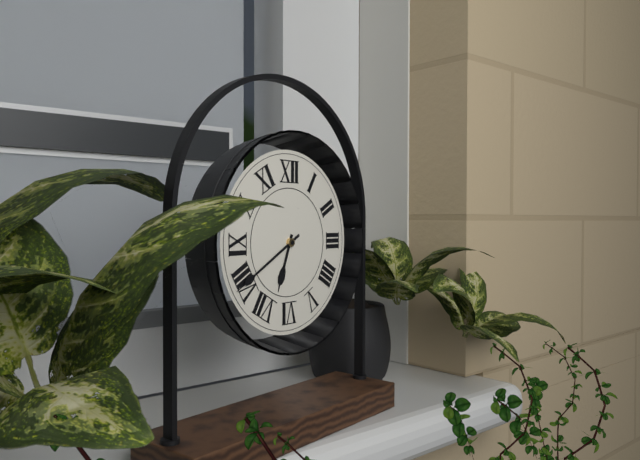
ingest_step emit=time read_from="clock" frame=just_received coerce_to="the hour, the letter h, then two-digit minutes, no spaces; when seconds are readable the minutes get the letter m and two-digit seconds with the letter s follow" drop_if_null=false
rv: 6h40
